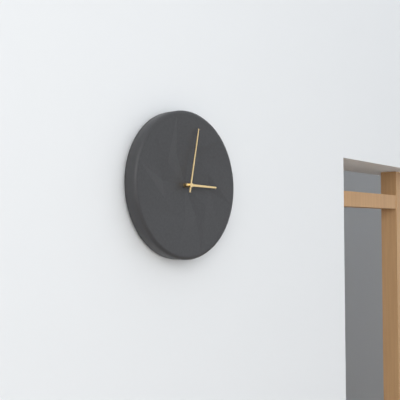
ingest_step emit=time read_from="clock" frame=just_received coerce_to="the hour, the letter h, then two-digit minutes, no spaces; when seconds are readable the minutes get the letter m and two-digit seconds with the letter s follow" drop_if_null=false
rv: 3h02
